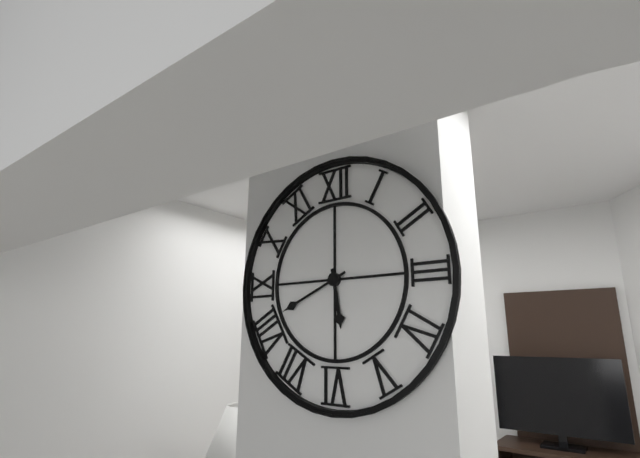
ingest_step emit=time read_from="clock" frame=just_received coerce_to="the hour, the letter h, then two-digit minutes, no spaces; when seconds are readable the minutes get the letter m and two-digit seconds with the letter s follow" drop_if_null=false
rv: 5h41
